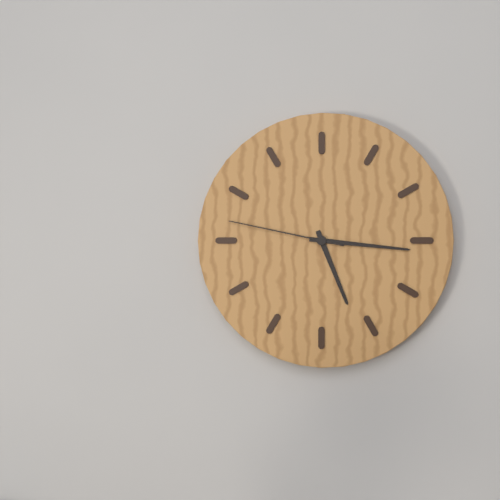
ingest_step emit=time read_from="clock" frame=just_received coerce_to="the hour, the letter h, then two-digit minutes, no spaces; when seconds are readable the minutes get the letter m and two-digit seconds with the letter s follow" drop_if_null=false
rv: 5h16m47s
